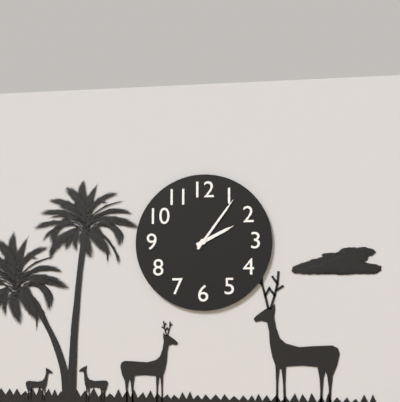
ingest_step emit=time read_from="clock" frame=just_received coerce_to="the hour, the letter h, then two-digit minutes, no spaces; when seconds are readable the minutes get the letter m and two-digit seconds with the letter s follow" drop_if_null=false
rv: 2h06
